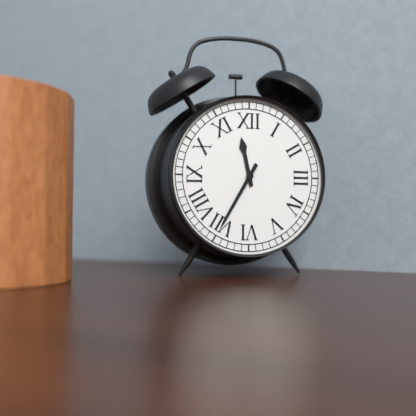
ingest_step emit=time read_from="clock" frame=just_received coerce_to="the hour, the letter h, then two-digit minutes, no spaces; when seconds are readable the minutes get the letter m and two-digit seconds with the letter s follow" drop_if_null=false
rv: 11h35
